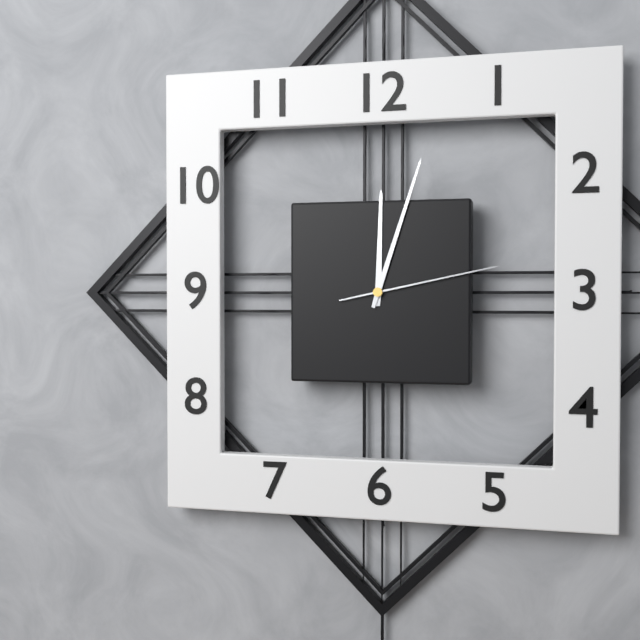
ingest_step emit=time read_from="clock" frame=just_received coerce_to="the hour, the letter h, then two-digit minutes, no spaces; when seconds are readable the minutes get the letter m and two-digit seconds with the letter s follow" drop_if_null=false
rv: 12h03m13s
